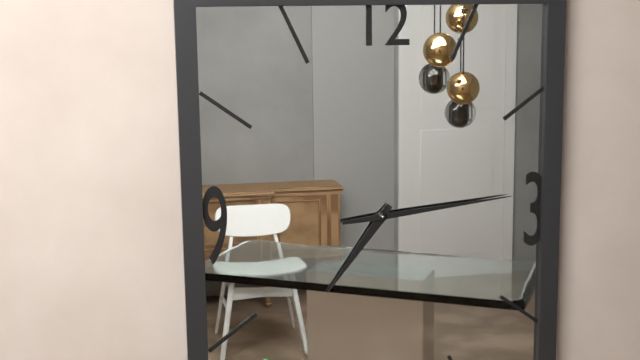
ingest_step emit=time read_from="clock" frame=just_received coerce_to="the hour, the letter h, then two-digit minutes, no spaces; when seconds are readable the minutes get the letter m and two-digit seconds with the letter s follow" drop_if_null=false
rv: 7h14
